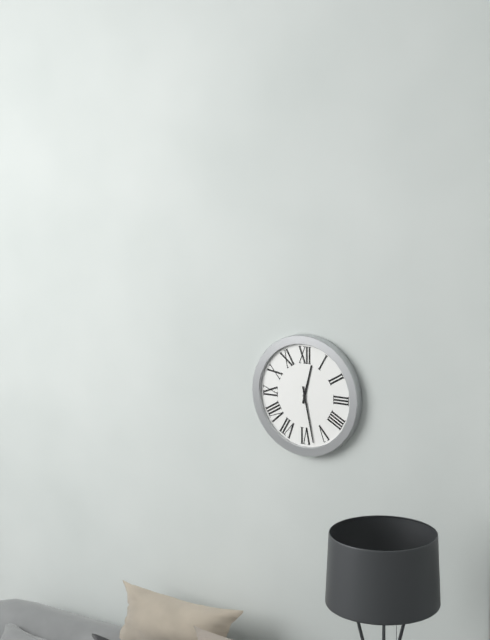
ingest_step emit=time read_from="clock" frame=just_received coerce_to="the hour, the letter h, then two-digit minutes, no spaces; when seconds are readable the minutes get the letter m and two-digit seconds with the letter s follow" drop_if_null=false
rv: 12h28
